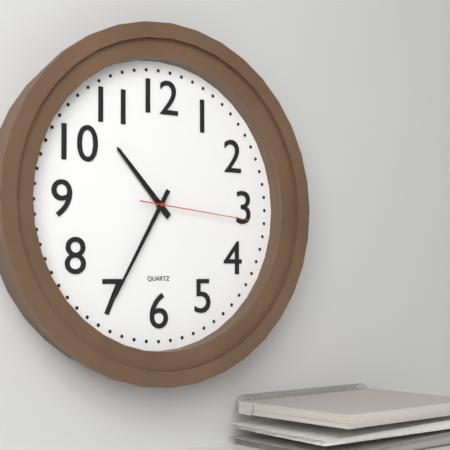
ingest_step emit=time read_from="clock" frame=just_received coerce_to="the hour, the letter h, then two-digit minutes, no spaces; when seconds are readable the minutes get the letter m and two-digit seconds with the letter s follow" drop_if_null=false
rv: 10h35m16s
